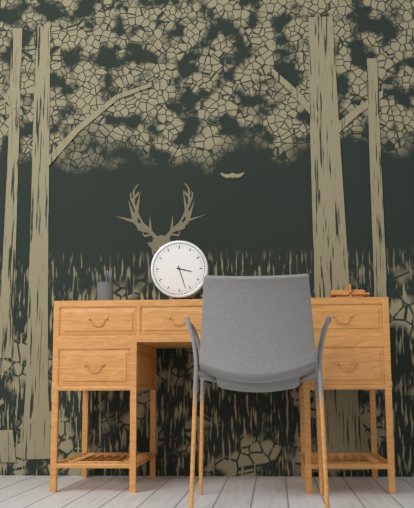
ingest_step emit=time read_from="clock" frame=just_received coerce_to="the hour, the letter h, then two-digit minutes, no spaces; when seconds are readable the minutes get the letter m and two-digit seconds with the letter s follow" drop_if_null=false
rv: 3h27
